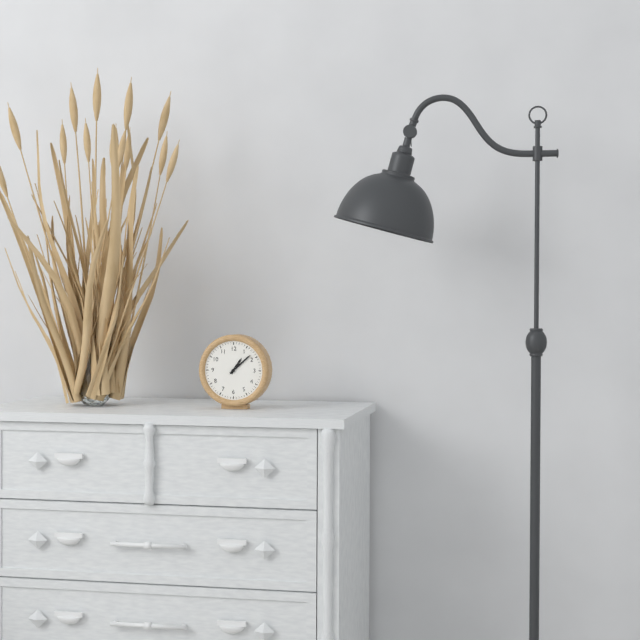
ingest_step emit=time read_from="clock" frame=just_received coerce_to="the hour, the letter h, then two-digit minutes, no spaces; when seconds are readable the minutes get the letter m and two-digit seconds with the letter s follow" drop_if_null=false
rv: 1h08
